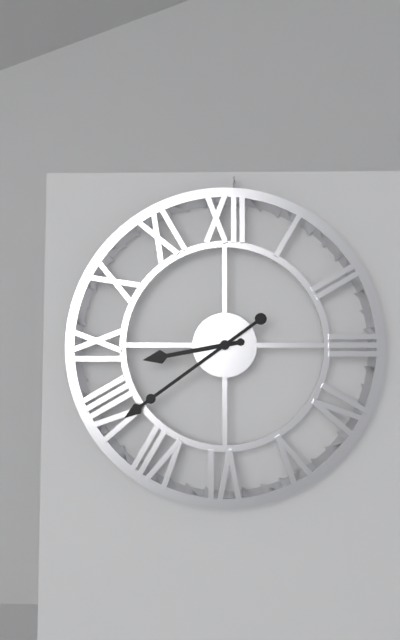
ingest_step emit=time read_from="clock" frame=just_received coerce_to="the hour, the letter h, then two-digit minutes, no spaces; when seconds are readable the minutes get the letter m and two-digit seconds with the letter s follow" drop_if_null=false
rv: 8h39
